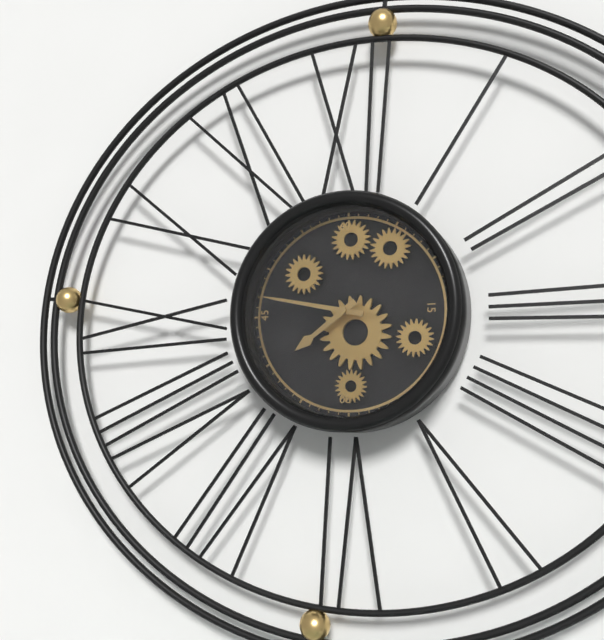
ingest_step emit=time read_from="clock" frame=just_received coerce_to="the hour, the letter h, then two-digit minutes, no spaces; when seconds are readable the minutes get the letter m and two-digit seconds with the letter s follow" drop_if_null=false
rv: 7h47
